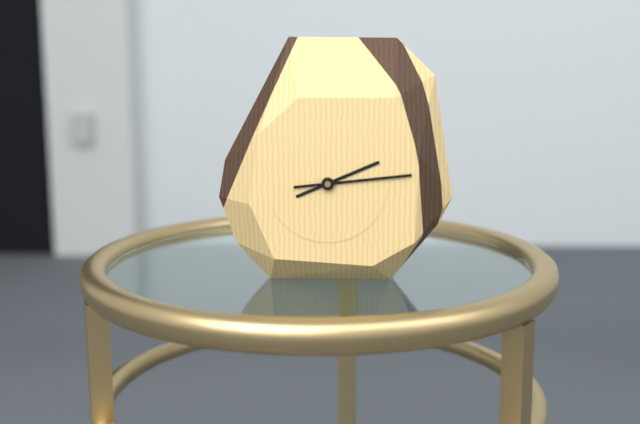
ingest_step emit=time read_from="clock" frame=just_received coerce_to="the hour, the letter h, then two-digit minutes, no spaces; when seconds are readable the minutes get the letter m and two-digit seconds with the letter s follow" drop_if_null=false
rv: 2h14
